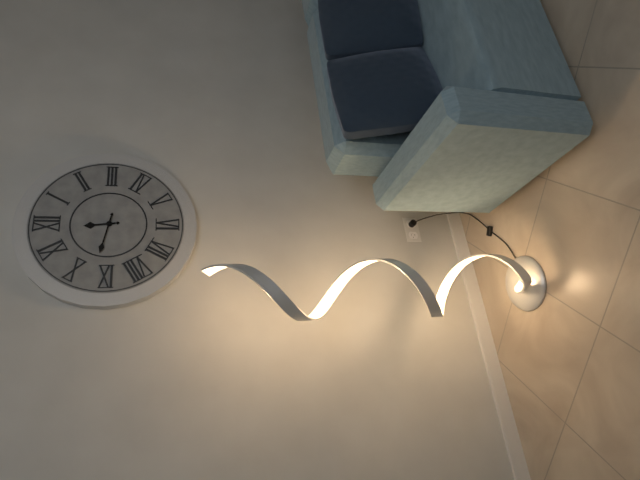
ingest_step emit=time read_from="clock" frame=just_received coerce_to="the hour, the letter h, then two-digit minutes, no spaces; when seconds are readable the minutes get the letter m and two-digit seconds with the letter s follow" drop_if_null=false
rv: 11h47
